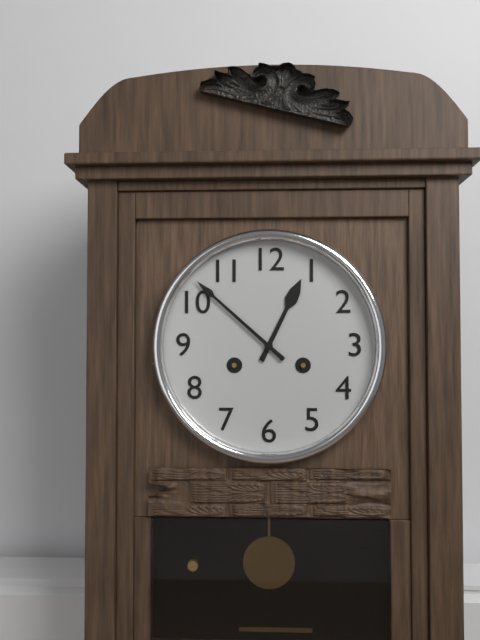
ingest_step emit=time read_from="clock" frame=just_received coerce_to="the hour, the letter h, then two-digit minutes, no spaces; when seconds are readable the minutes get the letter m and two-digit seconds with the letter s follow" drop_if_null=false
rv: 12h52
